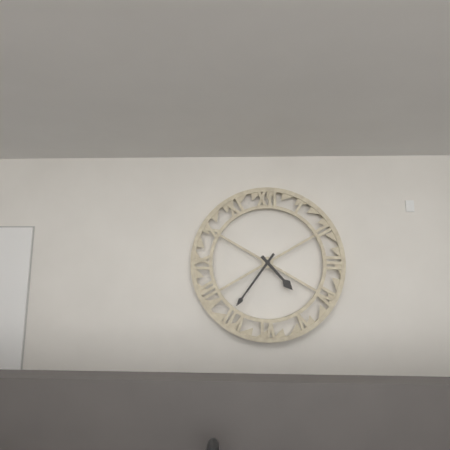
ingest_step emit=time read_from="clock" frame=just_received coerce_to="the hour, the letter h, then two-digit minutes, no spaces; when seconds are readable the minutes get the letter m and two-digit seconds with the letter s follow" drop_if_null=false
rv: 4h36
